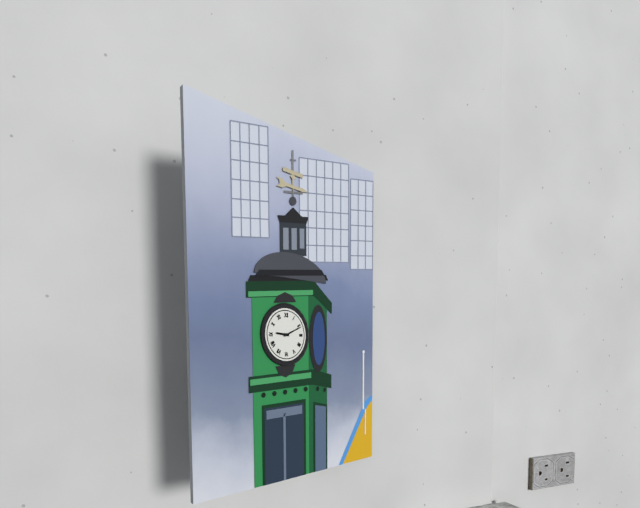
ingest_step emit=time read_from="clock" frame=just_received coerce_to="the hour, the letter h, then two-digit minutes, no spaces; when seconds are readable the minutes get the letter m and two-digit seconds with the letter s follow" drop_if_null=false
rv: 9h11
